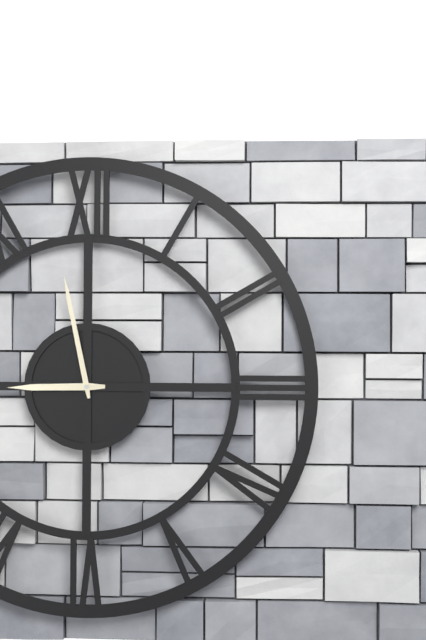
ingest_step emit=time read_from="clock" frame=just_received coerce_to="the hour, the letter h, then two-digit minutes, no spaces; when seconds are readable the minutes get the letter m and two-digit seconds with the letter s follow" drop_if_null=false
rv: 8h58
